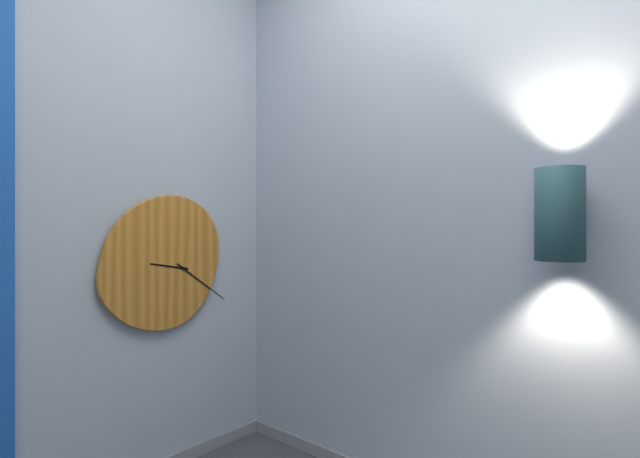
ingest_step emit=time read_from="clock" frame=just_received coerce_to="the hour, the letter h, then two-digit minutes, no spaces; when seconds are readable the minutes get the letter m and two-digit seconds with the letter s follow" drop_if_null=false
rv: 9h21
